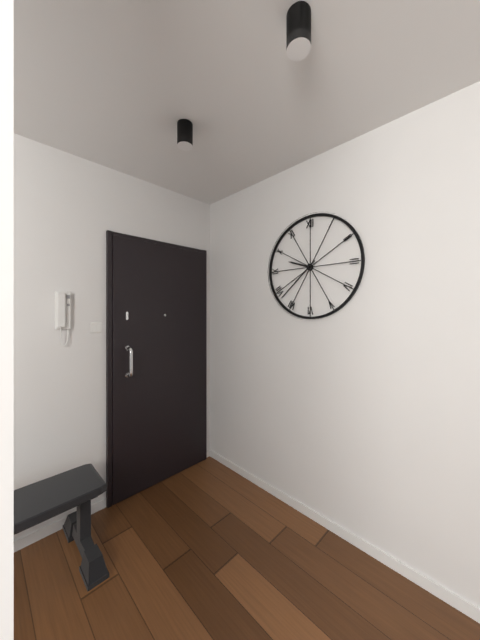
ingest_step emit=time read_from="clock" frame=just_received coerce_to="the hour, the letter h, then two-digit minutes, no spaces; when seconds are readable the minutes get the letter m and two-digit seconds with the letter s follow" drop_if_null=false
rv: 9h38
